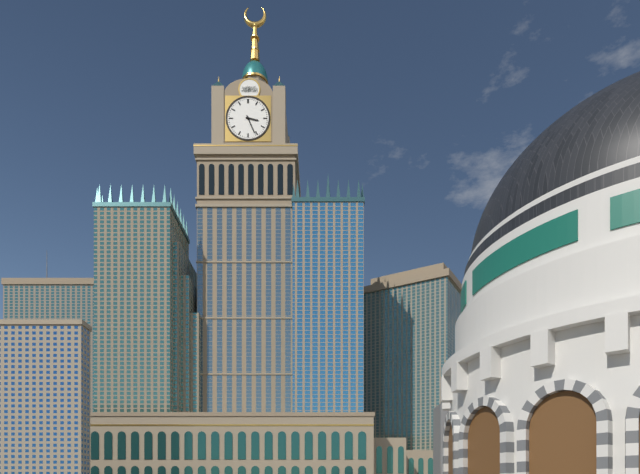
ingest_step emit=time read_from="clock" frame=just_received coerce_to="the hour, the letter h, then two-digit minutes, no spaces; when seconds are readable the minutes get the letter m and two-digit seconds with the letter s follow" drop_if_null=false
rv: 3h26
